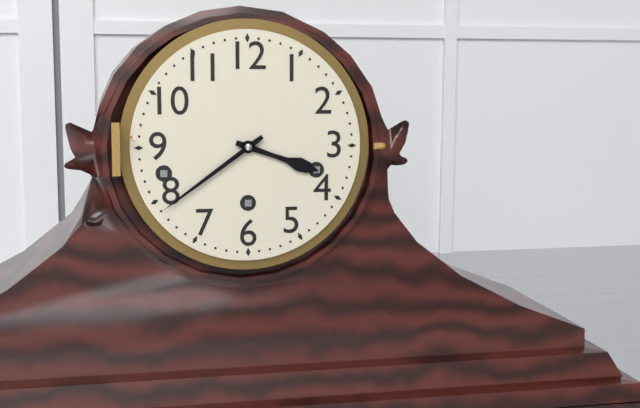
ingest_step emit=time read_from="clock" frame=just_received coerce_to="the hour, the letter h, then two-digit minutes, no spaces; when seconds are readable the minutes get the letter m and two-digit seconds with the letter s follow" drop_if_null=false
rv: 3h39
